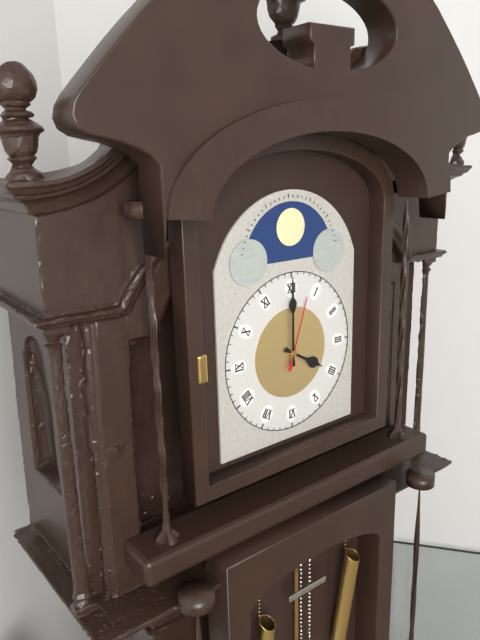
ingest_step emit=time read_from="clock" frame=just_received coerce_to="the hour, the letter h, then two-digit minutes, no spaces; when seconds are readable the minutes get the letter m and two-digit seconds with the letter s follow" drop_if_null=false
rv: 4h00m03s
